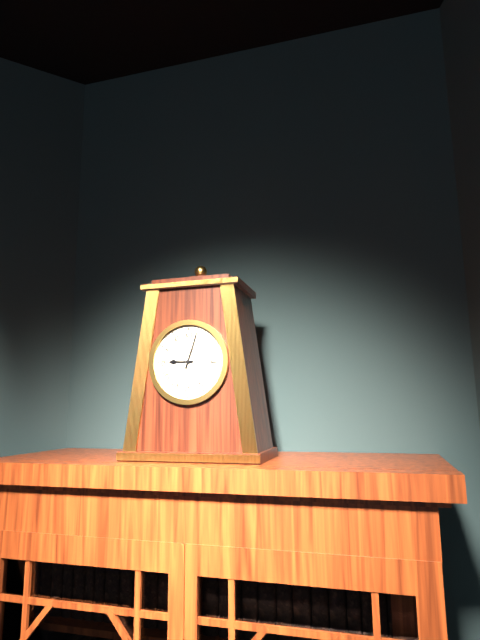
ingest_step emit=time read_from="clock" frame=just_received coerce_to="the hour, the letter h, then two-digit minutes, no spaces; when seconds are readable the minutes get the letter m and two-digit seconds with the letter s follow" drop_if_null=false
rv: 9h03
